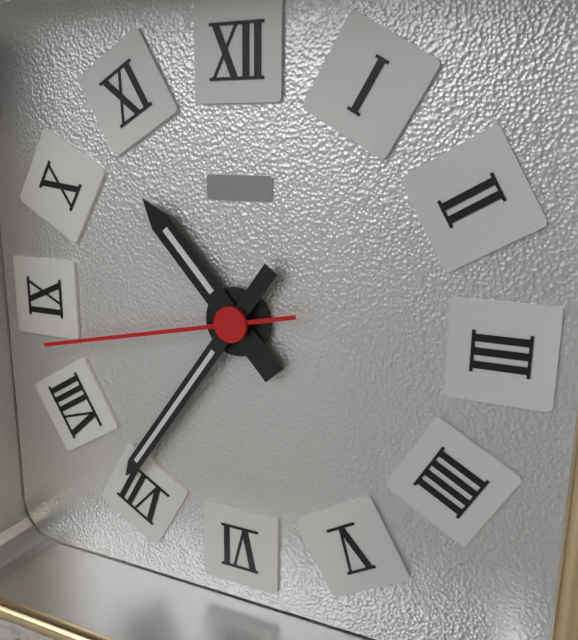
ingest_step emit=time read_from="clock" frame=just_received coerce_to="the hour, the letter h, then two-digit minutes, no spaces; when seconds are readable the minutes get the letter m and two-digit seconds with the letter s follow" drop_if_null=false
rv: 10h36m43s
